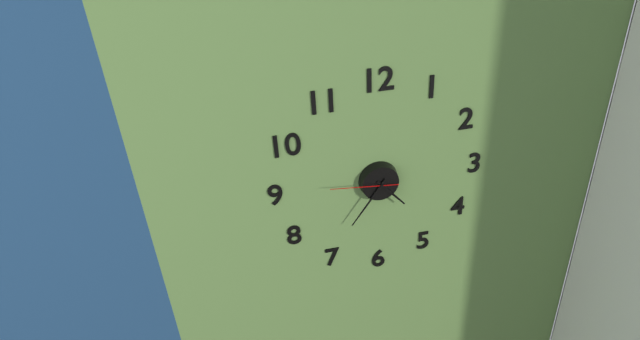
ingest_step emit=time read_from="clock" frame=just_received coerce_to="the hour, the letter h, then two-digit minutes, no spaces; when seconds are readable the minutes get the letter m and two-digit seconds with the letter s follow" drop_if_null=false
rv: 4h36m46s
